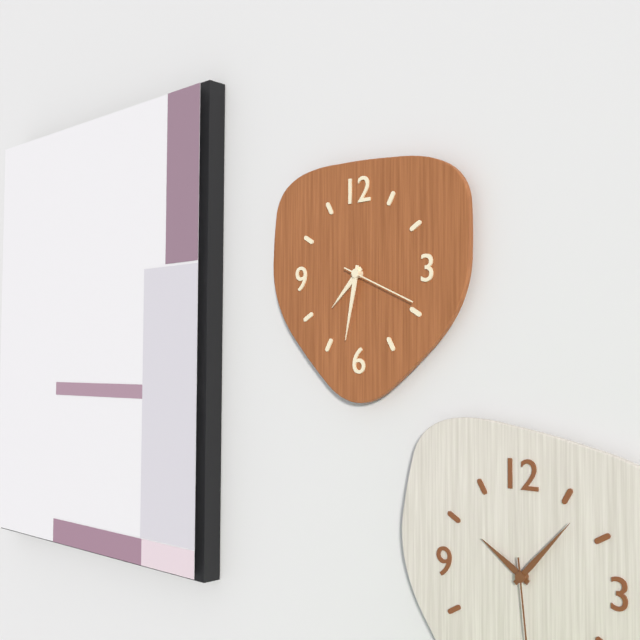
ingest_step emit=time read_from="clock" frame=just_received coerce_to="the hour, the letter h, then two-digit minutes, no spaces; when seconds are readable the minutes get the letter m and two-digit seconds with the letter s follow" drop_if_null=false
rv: 7h32m19s
